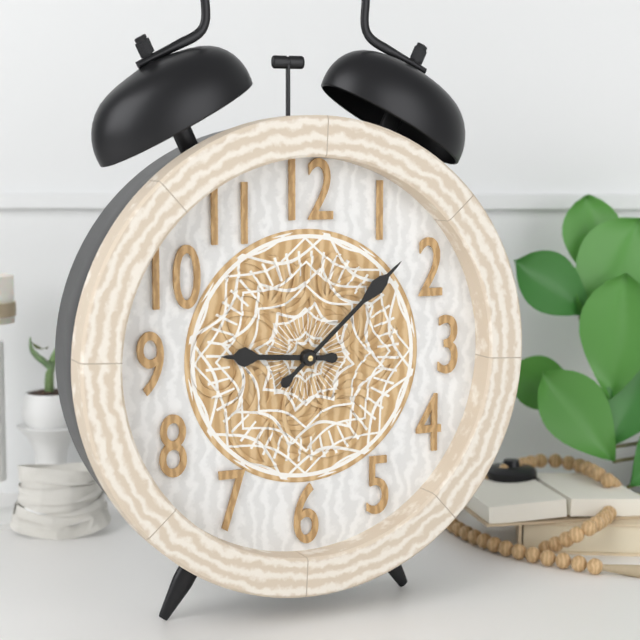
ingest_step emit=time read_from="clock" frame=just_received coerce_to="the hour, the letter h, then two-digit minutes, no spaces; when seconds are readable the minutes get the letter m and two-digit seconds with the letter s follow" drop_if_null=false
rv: 9h08
